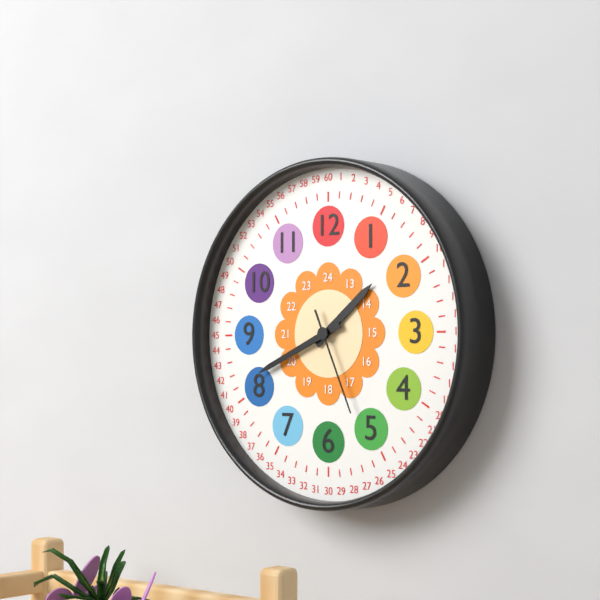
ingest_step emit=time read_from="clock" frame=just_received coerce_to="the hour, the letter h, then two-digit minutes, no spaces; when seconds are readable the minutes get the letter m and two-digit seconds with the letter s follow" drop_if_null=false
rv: 1h41m26s
